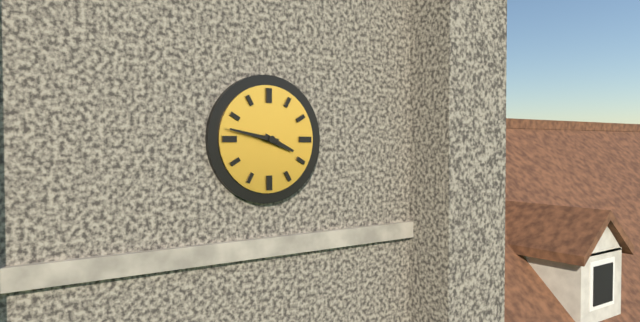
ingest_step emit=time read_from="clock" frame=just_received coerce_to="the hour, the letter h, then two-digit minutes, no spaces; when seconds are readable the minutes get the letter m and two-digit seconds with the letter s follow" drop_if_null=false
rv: 3h47
